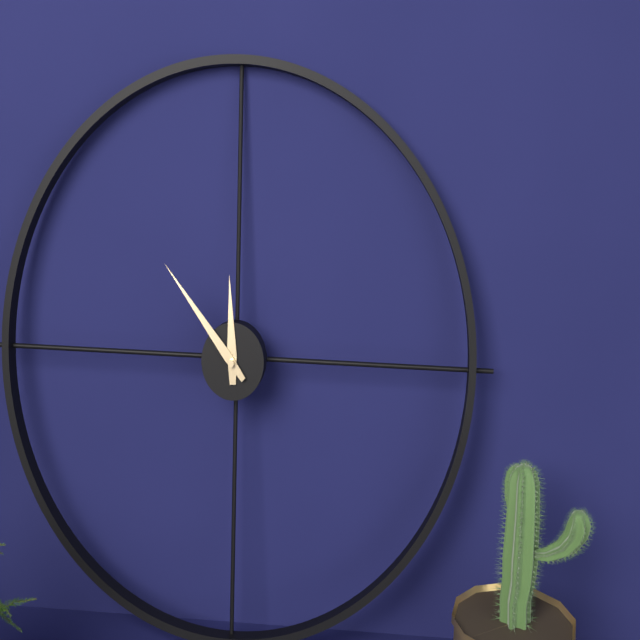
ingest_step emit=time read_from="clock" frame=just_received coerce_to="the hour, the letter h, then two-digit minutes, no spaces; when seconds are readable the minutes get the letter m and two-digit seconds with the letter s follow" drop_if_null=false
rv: 11h53
